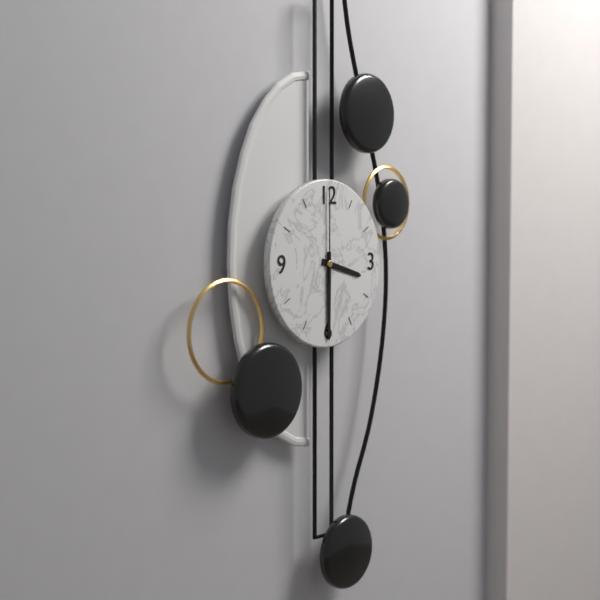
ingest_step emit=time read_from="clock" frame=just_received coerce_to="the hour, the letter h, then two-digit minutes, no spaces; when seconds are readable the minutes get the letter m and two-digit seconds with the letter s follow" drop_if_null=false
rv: 3h30m00s
